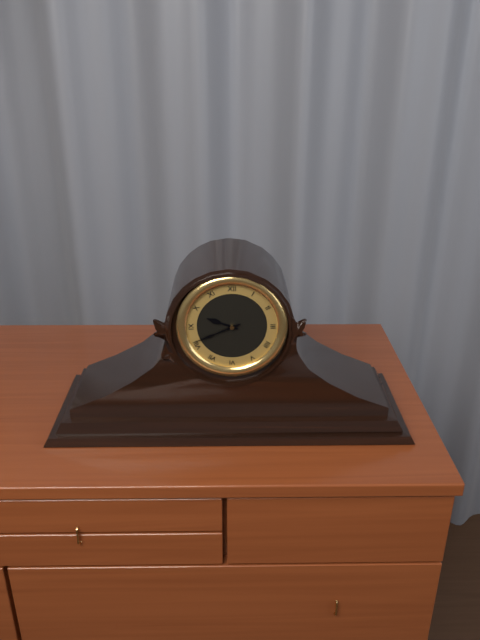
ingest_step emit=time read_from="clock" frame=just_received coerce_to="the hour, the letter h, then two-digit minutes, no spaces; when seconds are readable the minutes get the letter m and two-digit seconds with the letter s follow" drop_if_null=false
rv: 9h41
